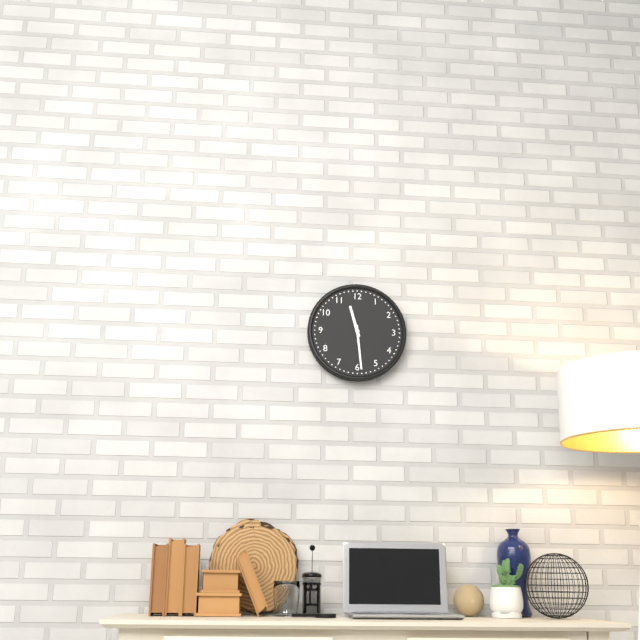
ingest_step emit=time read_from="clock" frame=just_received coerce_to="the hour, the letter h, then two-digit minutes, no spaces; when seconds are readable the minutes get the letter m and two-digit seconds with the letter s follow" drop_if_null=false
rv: 11h29
